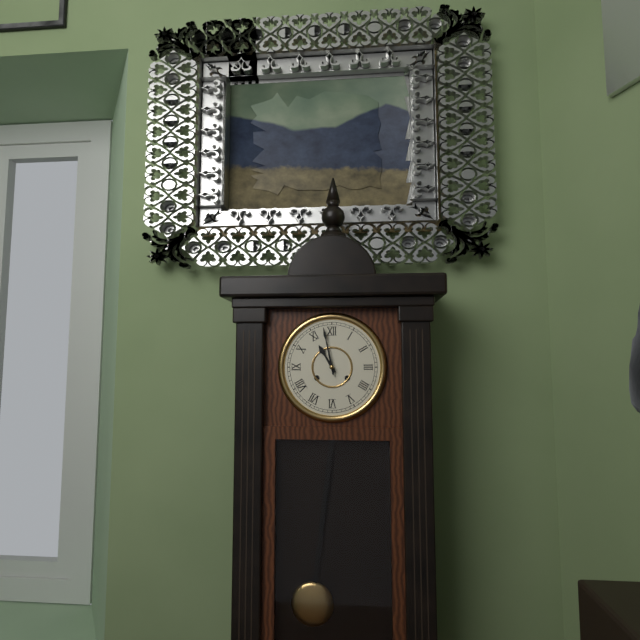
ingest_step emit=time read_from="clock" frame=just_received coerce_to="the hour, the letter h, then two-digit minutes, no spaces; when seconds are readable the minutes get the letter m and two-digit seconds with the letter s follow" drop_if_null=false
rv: 10h58
